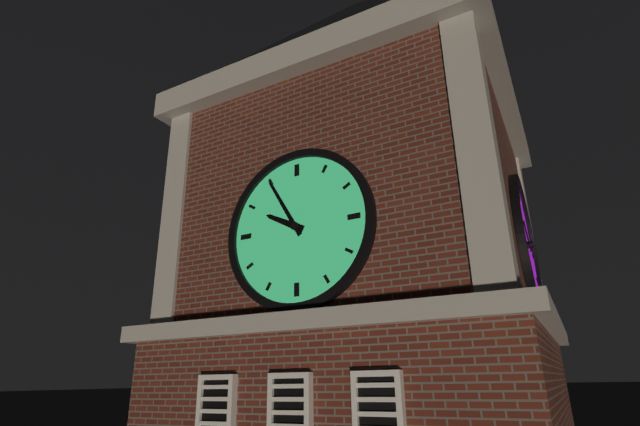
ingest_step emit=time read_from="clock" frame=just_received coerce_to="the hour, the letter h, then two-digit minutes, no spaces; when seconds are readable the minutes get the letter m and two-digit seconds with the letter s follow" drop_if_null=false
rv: 9h55
